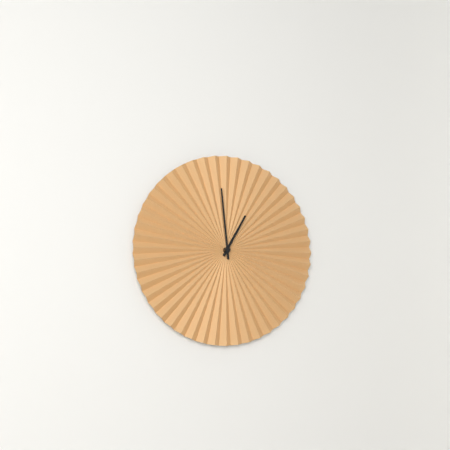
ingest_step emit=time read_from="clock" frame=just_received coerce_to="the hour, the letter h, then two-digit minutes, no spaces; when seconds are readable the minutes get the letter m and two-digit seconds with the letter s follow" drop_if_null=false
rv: 12h59
